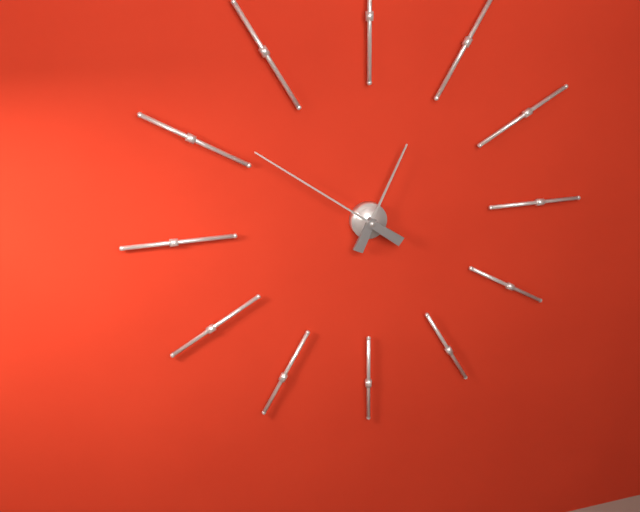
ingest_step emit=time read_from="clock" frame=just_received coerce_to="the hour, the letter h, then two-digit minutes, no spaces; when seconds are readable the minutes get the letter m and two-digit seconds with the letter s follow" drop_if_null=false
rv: 12h51
